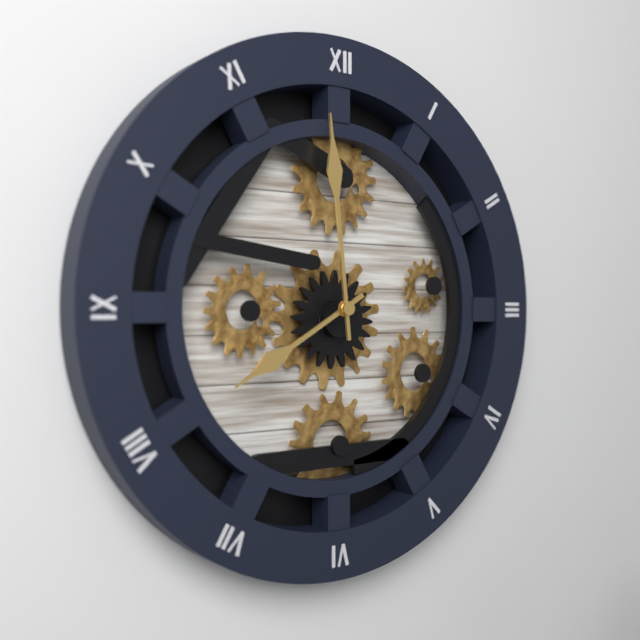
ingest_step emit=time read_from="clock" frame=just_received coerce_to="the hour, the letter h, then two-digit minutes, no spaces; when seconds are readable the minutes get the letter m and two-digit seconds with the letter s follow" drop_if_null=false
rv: 7h59
